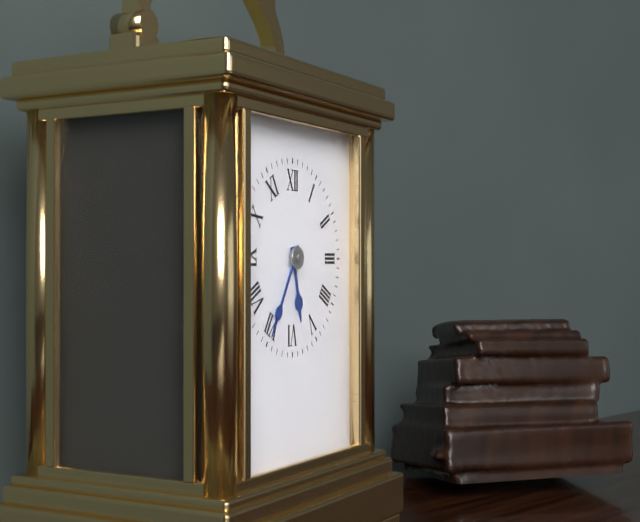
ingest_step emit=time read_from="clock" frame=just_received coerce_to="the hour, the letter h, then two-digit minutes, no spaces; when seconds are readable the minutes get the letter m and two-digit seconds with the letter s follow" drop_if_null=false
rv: 5h35
